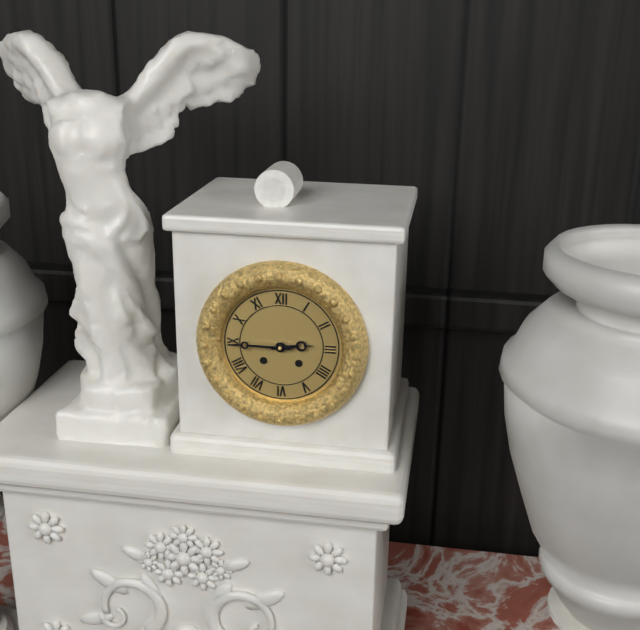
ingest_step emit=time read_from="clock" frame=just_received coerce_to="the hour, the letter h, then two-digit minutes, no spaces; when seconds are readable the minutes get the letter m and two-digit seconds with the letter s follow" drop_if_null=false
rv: 2h45
